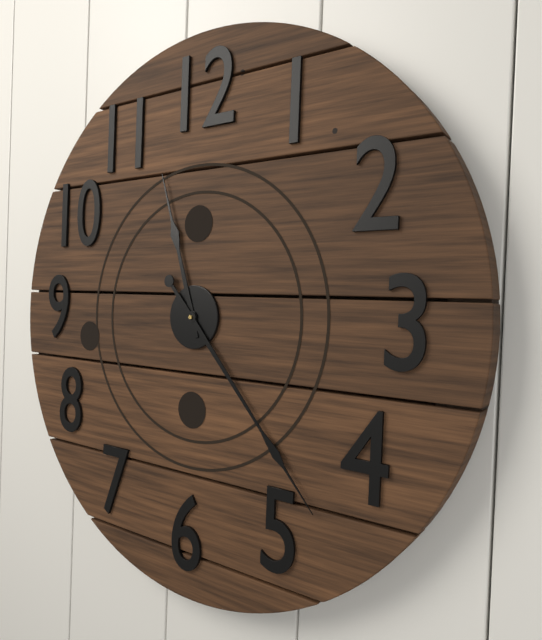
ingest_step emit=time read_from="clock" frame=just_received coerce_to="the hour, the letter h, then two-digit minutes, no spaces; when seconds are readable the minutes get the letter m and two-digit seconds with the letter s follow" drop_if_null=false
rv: 11h23
